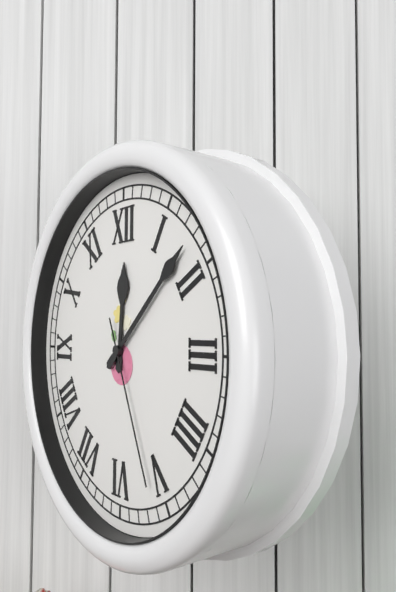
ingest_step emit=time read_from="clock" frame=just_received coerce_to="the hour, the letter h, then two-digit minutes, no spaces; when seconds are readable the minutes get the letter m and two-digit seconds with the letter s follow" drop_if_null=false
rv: 12h08m26s
